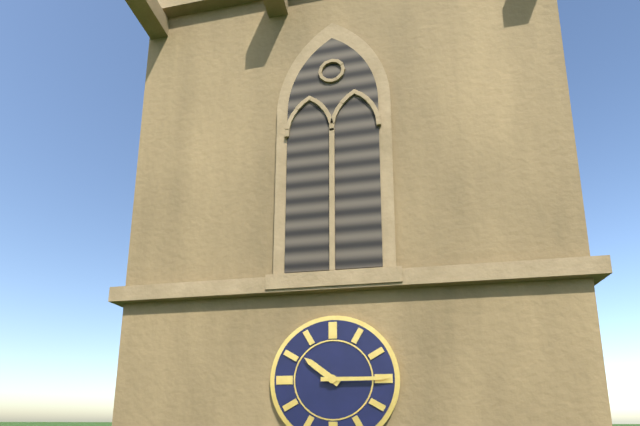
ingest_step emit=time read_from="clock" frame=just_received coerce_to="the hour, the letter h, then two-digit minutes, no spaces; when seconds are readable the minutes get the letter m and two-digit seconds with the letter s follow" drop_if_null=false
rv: 10h15
